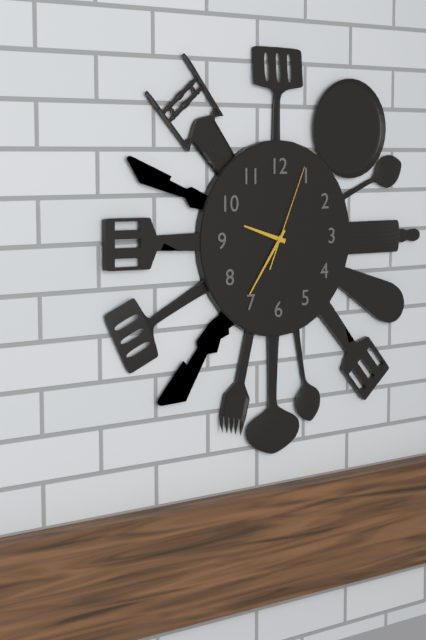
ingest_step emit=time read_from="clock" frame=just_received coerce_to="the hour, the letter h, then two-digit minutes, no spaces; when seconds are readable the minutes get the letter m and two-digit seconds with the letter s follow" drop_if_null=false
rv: 9h36m04s
